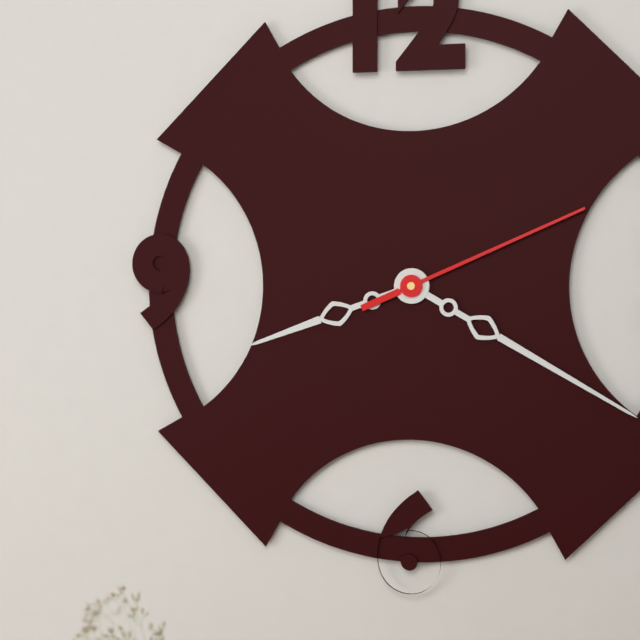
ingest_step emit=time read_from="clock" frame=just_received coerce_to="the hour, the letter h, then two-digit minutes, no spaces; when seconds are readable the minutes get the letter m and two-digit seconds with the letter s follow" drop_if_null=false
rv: 8h20m11s
